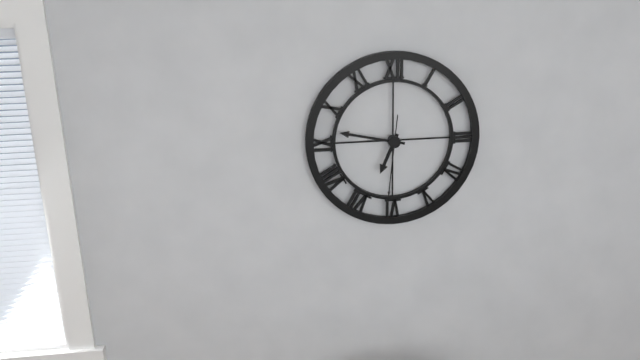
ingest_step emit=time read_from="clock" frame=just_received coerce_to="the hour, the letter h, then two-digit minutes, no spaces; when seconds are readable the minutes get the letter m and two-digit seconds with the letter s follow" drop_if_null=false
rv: 6h47m31s
